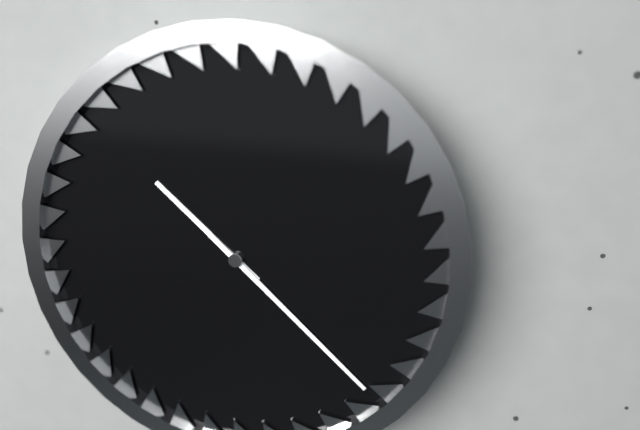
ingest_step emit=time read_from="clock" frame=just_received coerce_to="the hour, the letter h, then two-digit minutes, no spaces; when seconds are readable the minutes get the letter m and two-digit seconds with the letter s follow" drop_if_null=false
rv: 10h22
